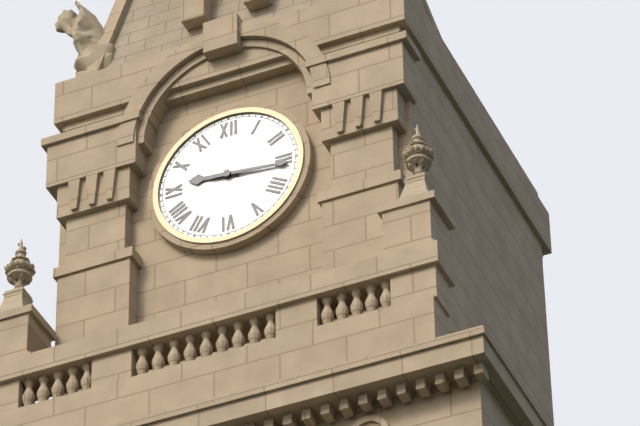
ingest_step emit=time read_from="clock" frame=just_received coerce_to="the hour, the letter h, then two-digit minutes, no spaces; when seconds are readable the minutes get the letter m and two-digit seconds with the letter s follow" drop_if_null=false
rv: 9h16
